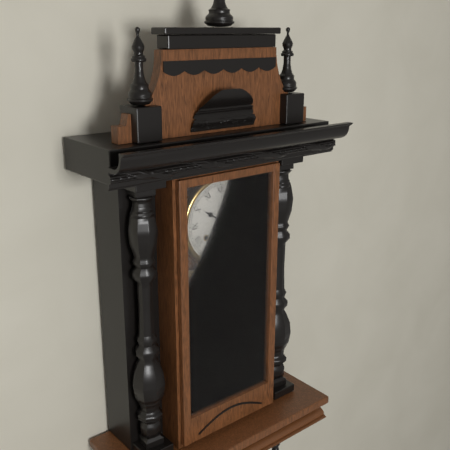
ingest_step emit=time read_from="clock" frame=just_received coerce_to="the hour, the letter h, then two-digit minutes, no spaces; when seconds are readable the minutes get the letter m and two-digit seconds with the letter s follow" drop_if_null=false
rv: 10h06
